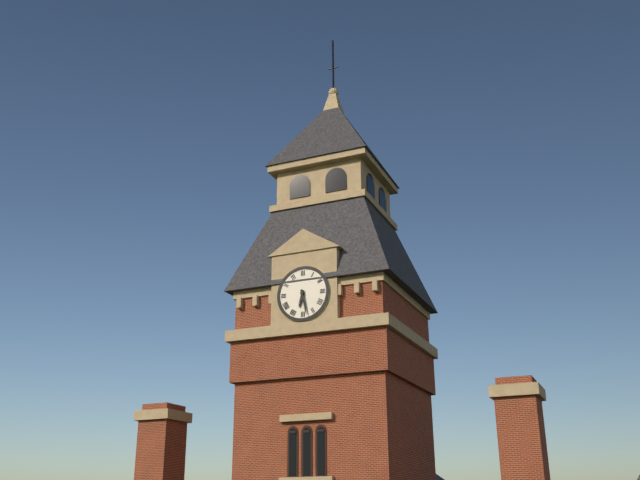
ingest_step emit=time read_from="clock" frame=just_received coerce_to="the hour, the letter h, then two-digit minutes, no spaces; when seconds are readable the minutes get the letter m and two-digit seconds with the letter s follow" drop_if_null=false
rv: 6h28
